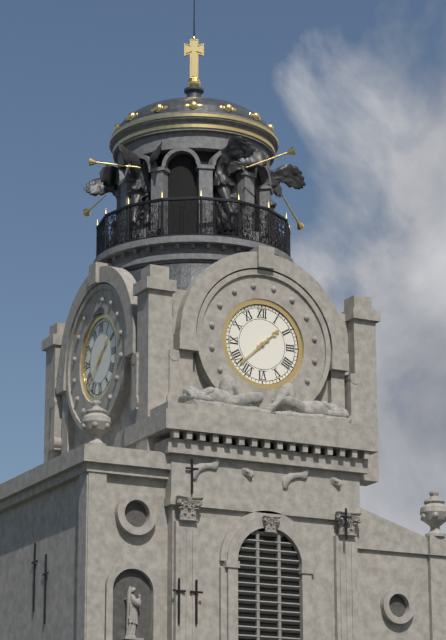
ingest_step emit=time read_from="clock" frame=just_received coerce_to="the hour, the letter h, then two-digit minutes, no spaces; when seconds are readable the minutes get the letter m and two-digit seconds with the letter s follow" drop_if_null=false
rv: 1h38
